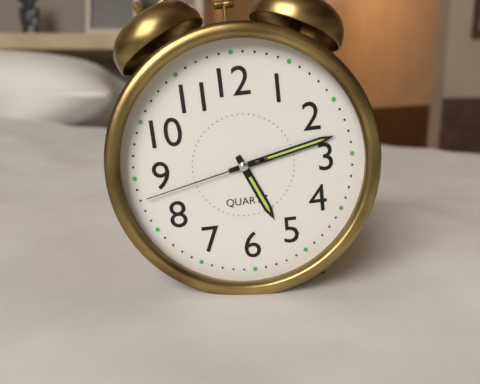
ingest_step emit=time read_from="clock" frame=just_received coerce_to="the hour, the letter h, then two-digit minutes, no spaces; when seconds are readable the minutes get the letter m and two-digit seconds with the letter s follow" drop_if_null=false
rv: 5h13m43s
